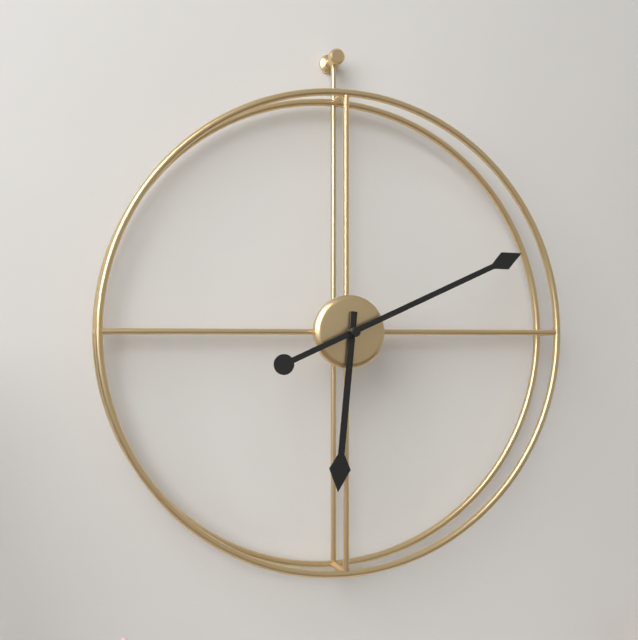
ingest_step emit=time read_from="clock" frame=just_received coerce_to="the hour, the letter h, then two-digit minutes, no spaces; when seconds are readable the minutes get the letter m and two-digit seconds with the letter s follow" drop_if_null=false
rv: 6h11
